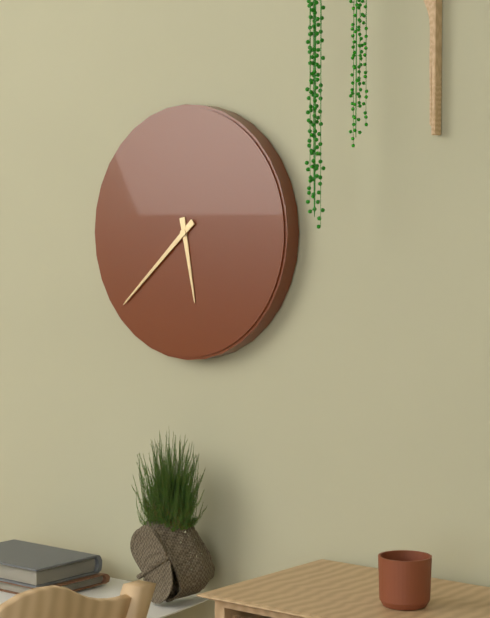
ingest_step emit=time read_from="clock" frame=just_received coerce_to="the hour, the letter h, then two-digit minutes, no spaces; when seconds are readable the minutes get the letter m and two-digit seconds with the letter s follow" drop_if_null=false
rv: 5h38
